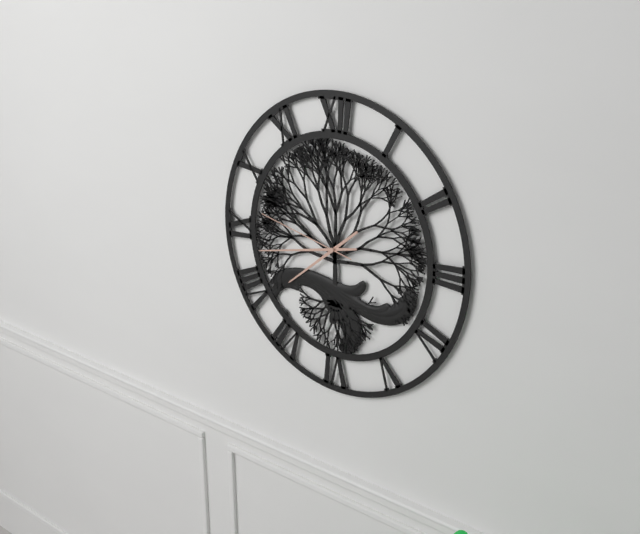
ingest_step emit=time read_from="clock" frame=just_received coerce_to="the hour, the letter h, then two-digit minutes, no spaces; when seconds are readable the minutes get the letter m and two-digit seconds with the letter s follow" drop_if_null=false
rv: 7h43m47s
